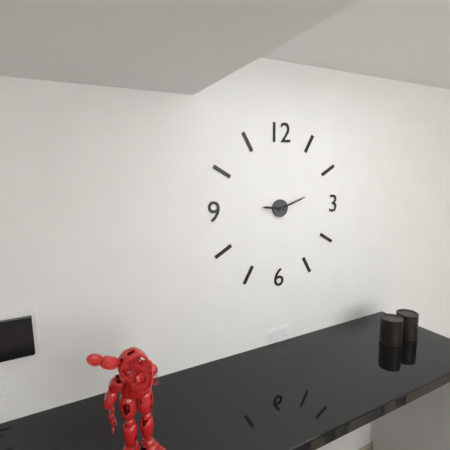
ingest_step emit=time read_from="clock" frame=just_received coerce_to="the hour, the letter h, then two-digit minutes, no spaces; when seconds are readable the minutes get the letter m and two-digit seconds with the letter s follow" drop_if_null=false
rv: 9h12
